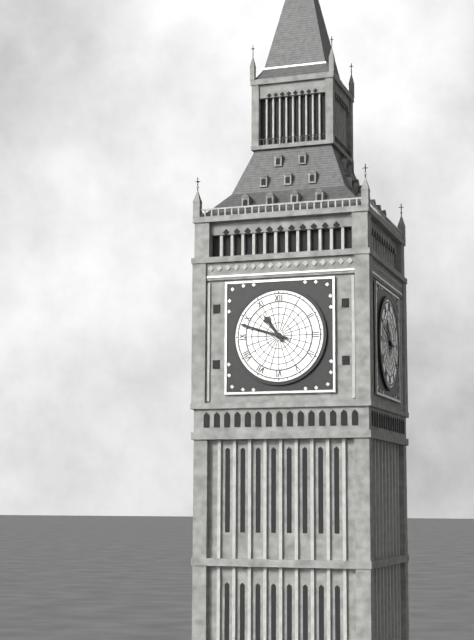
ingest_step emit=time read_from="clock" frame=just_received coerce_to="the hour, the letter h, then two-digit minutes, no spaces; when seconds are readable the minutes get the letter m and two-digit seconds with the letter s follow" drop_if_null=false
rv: 10h48
